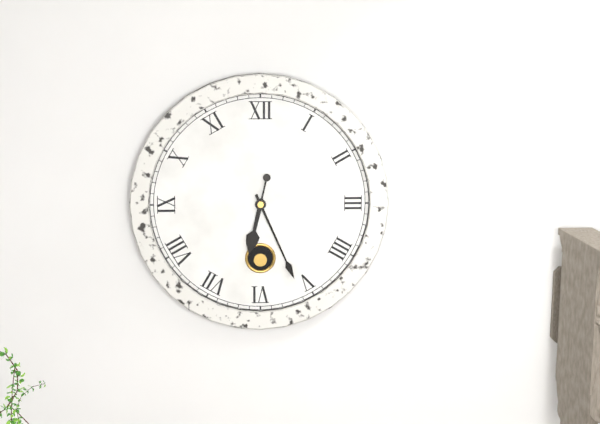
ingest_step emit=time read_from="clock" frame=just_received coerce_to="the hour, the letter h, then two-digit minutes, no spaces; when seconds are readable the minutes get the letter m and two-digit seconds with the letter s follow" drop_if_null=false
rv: 6h26
